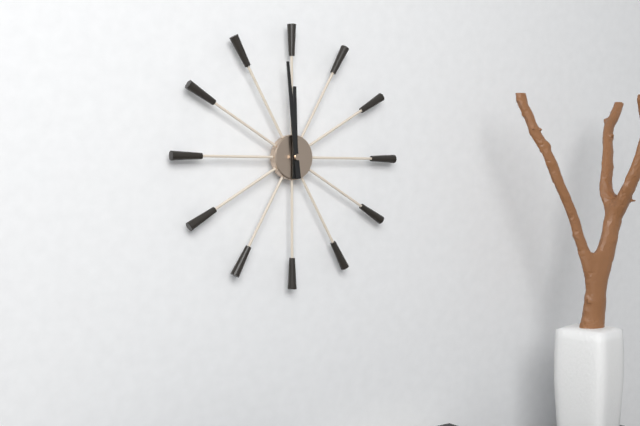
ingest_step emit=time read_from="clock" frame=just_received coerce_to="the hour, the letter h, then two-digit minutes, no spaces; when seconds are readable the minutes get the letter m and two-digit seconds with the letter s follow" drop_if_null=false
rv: 11h59
